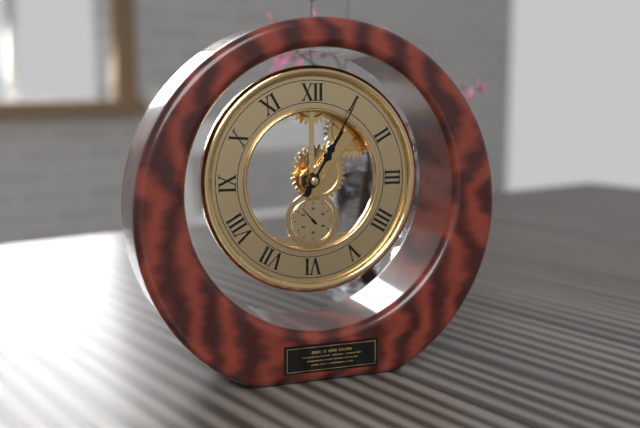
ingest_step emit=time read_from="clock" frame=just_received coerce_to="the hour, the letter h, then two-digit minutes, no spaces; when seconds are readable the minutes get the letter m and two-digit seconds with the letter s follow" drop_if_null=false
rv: 1h05
